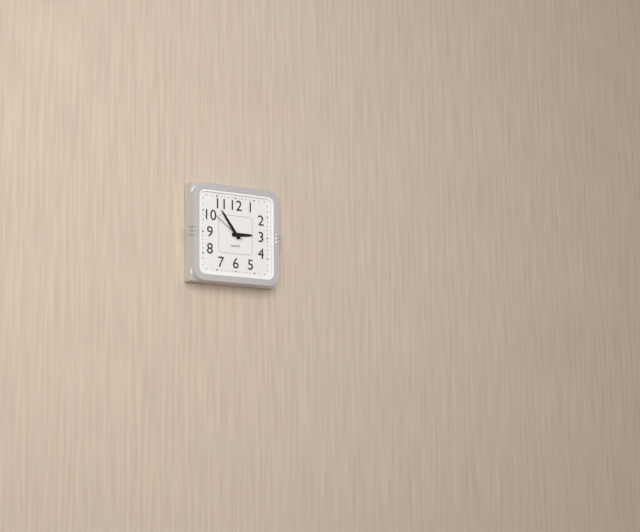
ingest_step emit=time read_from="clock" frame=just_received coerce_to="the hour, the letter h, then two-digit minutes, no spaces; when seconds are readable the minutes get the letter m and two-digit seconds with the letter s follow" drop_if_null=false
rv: 2h54
